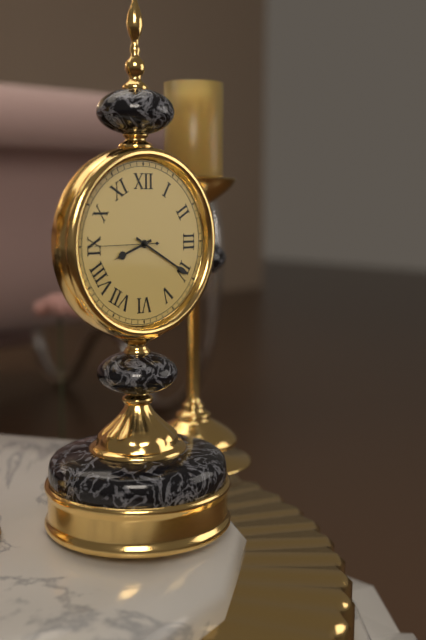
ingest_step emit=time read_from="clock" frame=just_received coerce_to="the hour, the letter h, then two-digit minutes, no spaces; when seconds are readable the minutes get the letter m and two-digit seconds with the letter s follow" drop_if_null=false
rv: 8h20m45s
